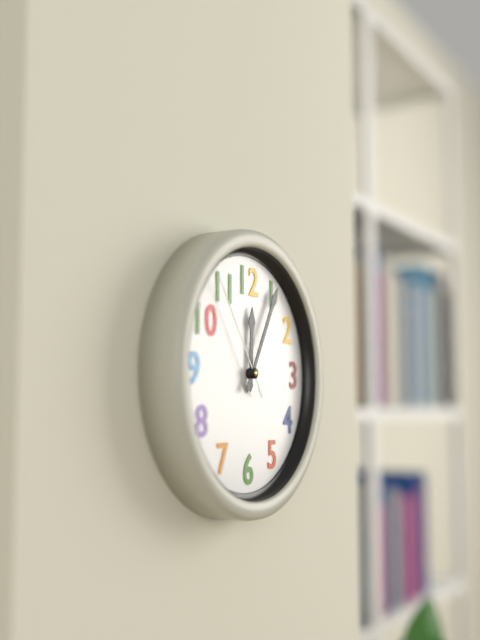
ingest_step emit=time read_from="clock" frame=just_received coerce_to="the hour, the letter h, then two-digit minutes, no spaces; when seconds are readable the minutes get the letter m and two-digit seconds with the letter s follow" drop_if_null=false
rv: 12h05m54s
